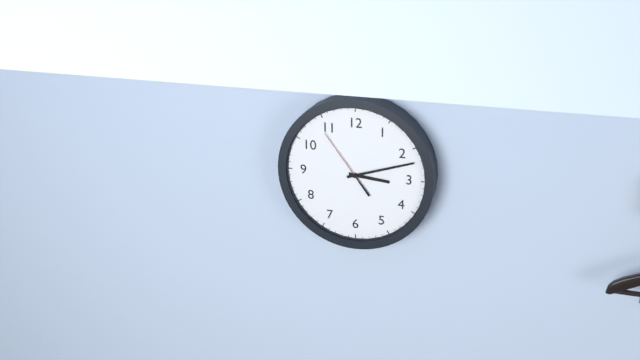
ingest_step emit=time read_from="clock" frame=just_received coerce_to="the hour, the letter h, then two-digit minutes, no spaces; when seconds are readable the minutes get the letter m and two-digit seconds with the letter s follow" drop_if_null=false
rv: 3h12m54s
